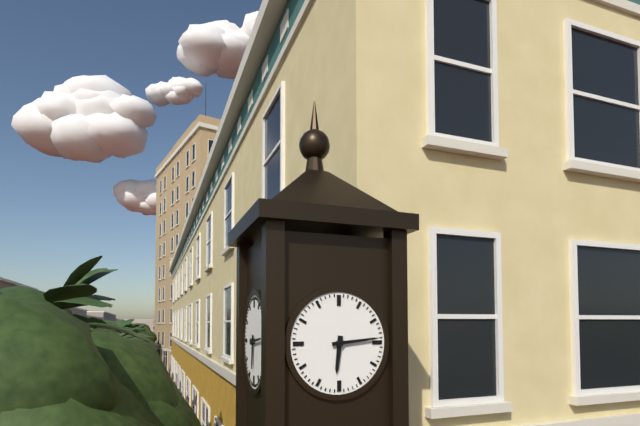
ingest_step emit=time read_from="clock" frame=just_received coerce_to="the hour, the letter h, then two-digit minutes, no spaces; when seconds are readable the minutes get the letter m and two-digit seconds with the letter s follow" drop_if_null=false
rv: 6h14
